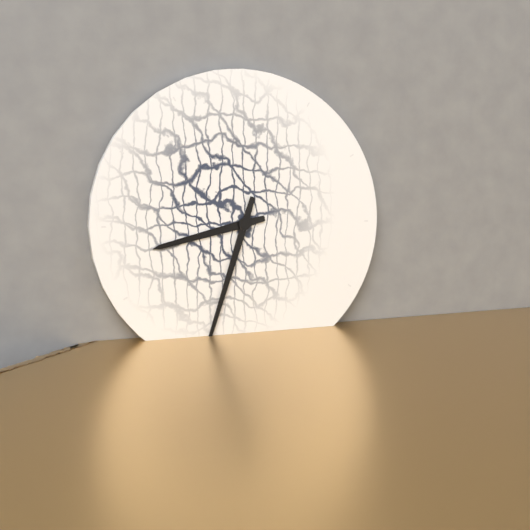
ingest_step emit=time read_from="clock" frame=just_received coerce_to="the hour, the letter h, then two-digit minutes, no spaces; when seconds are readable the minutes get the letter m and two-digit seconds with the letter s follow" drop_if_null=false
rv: 8h33
